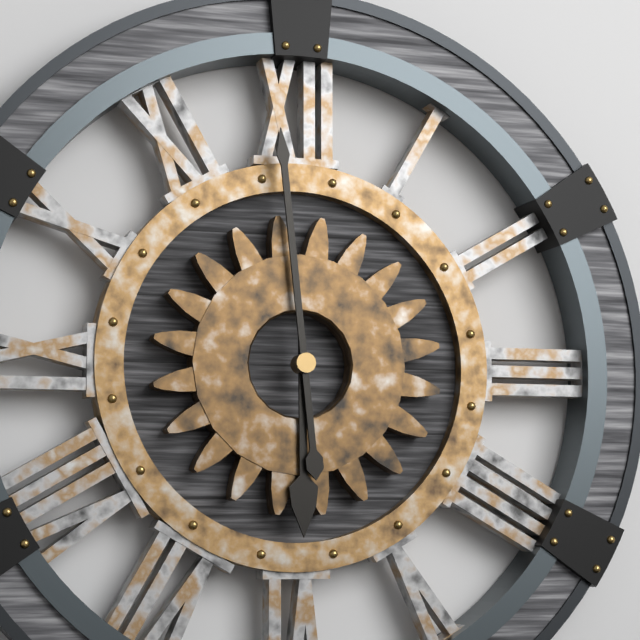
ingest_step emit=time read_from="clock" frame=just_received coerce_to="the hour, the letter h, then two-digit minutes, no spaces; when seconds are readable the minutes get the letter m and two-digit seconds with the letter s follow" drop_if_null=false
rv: 5h59
